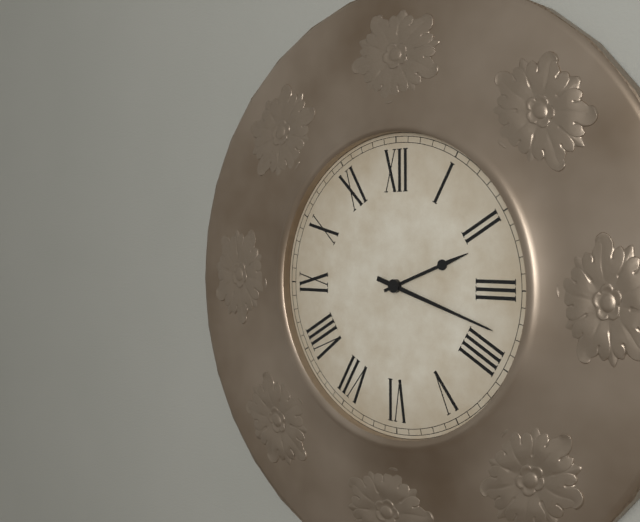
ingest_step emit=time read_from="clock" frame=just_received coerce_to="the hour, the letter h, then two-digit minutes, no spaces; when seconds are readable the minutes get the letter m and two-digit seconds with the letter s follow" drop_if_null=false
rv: 2h18
